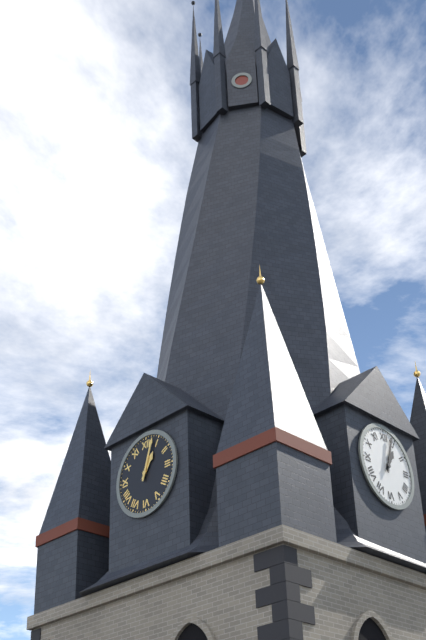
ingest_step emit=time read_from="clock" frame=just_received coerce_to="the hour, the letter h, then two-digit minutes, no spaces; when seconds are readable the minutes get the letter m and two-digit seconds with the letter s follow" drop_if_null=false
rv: 1h03
